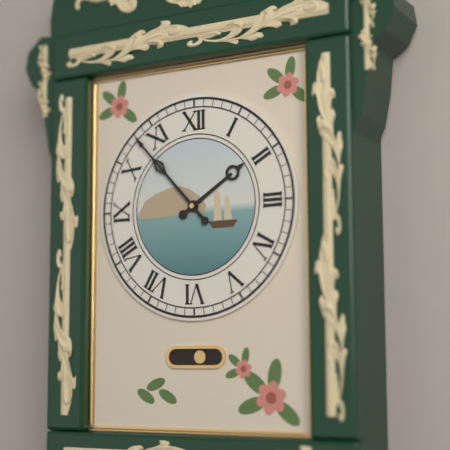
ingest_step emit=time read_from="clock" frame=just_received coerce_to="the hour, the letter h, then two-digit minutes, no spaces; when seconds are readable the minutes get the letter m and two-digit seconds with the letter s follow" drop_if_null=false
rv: 1h53
